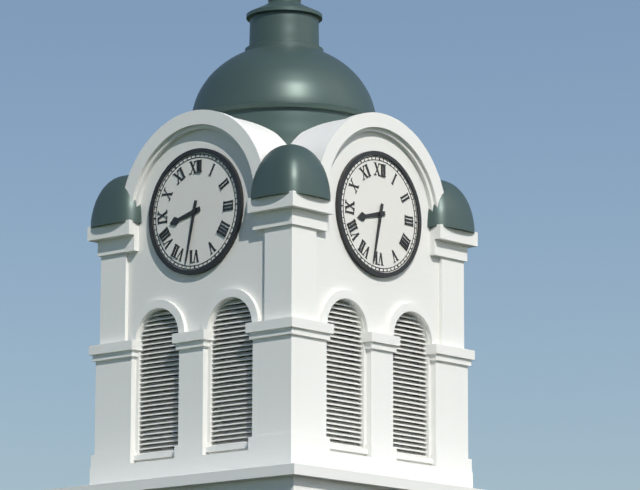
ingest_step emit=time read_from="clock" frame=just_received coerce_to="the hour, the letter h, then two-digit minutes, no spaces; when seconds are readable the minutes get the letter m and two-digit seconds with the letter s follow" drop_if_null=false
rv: 8h32
